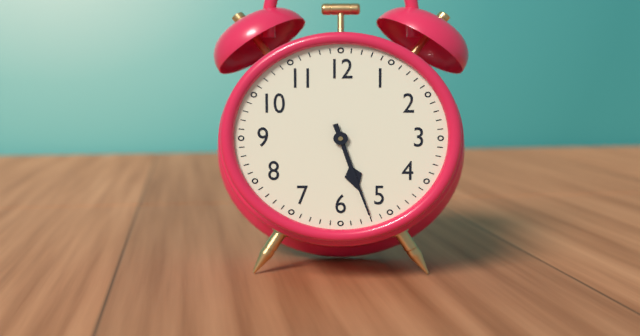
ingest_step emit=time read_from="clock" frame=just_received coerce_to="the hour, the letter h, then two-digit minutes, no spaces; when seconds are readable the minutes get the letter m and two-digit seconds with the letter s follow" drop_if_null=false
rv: 5h27
